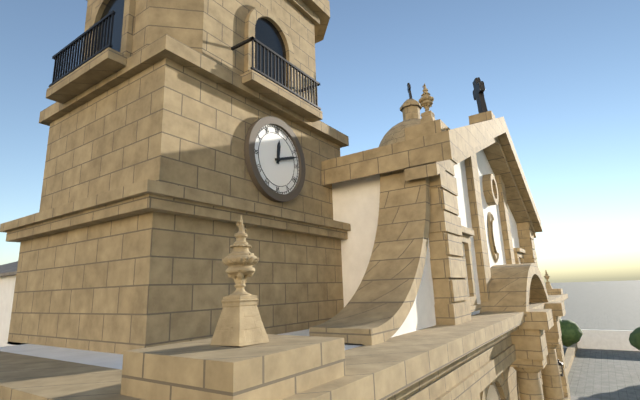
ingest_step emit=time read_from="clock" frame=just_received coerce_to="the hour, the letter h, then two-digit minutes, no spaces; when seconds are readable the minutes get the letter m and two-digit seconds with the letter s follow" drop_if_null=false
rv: 12h12
